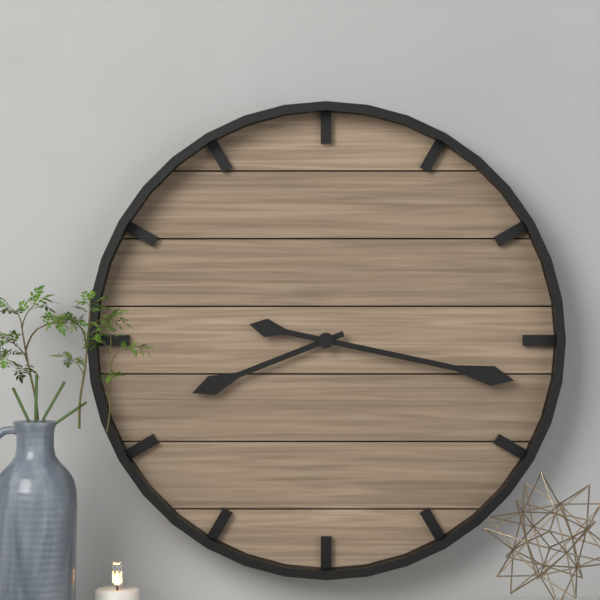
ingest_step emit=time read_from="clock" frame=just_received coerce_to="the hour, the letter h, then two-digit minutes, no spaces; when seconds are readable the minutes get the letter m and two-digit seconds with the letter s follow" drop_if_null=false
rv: 8h17
